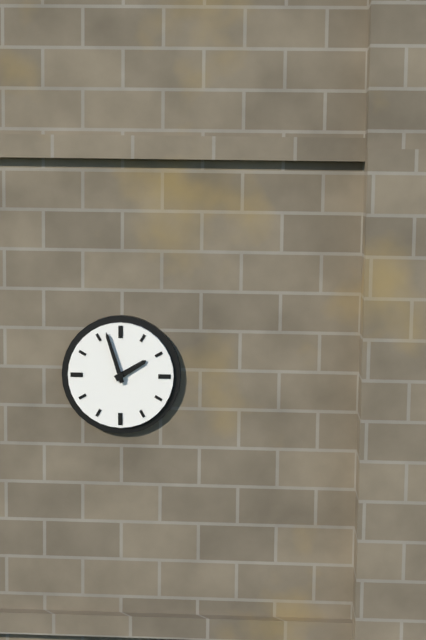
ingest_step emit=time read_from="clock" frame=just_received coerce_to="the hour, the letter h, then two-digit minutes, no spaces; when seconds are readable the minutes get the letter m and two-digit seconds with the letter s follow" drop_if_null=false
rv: 1h57
